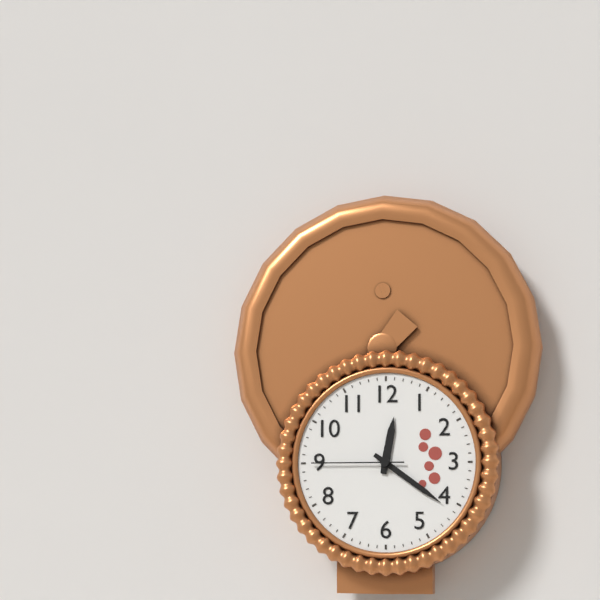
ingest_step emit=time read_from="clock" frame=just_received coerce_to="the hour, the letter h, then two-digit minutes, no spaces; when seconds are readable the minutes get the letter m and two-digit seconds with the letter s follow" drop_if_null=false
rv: 12h21m45s
